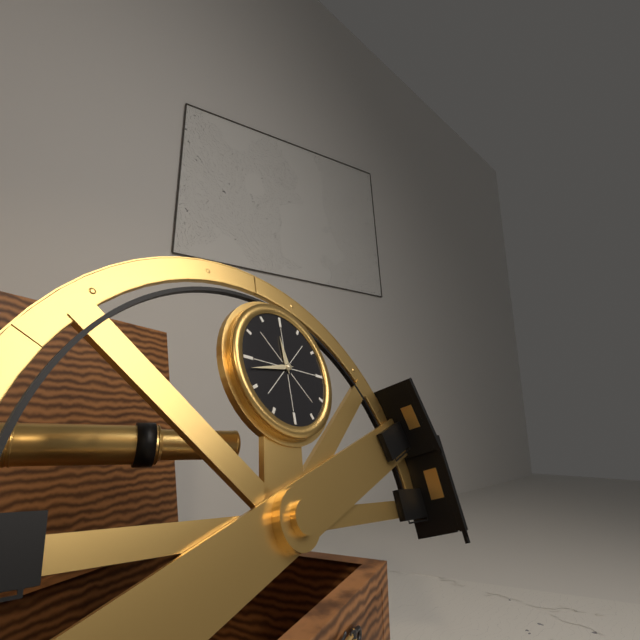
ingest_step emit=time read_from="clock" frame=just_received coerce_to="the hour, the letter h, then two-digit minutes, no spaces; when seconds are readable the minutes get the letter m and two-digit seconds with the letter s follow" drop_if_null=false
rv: 11h43
